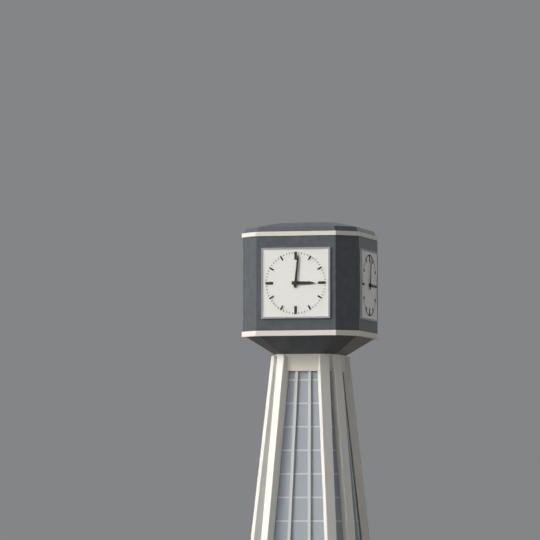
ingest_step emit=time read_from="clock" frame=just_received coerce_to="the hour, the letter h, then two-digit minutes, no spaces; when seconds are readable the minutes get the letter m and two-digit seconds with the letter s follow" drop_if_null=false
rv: 3h01
